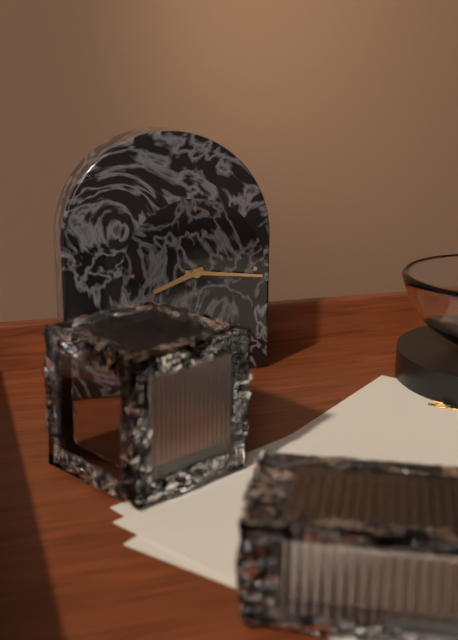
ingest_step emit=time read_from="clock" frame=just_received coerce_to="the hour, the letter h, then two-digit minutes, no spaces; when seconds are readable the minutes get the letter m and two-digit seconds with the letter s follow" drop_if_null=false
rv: 8h16
